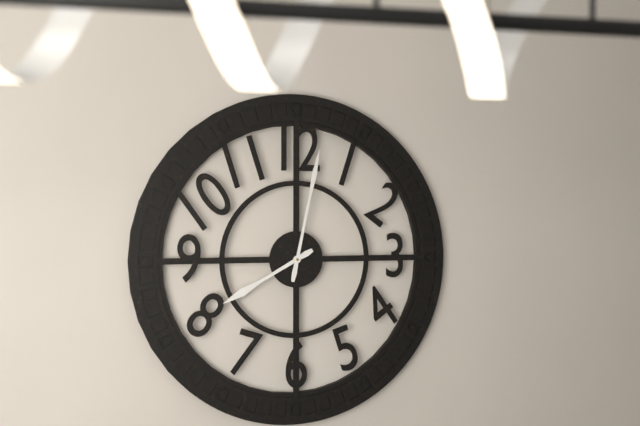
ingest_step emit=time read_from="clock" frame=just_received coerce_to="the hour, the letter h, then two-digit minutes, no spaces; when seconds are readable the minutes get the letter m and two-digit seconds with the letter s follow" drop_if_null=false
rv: 8h02
